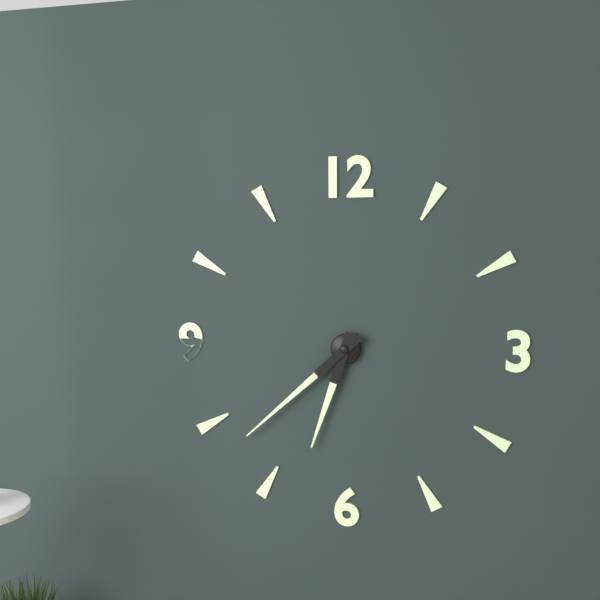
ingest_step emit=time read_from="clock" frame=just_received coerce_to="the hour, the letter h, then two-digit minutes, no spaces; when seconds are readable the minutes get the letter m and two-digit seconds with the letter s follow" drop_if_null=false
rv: 6h38
